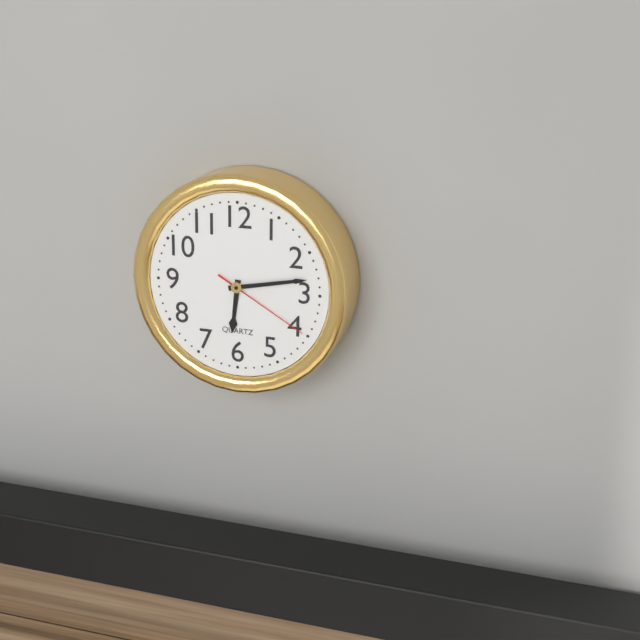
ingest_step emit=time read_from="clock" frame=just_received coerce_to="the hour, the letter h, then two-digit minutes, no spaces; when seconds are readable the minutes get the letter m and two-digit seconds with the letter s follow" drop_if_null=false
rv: 6h13m20s
